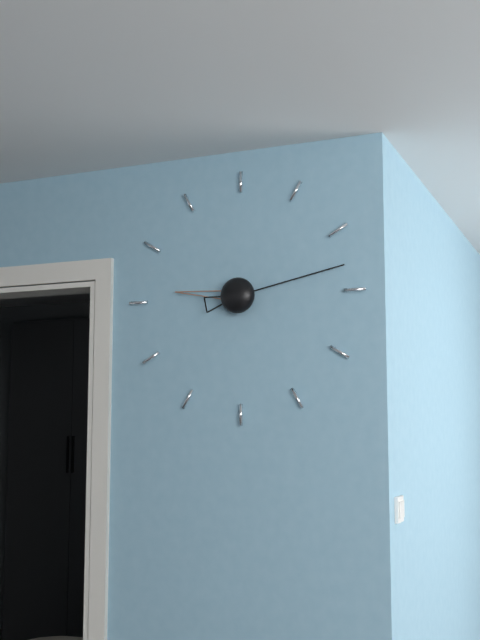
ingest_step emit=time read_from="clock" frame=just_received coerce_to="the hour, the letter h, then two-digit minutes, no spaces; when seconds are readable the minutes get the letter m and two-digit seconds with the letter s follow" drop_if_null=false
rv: 9h13
